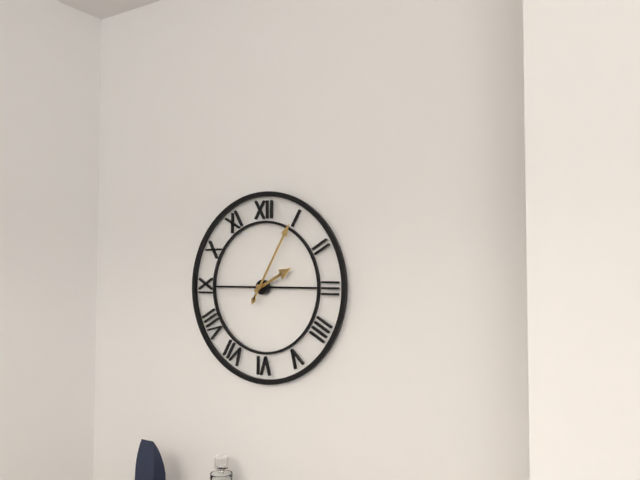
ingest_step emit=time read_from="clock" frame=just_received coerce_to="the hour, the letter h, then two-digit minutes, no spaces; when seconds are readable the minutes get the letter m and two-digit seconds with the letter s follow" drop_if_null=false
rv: 2h05
